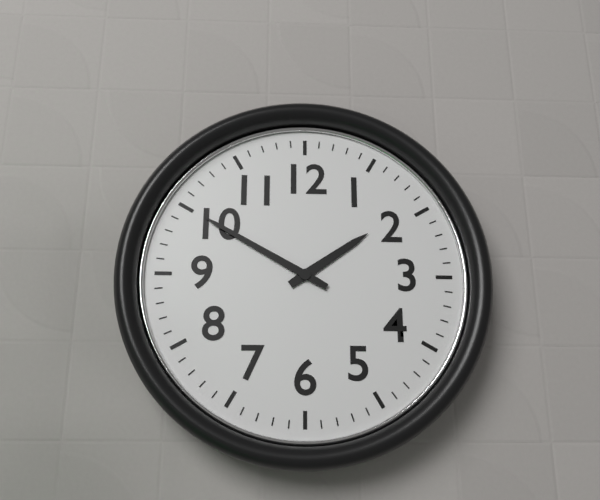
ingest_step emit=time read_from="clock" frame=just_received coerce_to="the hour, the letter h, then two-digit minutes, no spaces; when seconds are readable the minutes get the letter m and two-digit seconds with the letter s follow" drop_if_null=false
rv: 1h50
